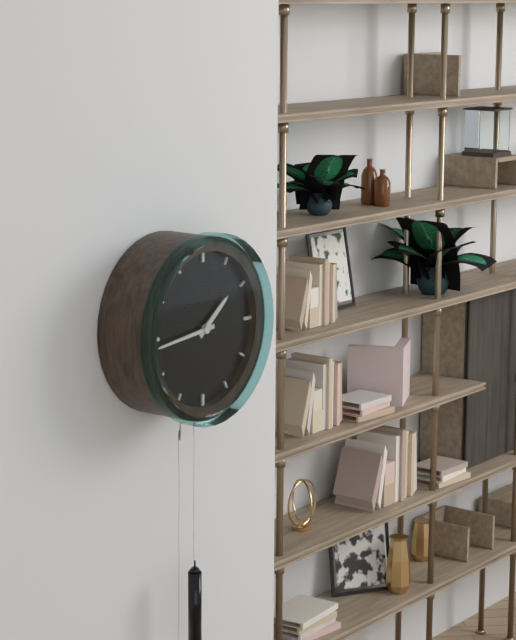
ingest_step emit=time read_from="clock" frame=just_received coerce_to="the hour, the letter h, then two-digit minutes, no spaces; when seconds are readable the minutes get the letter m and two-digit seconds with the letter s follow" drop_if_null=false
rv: 1h44
